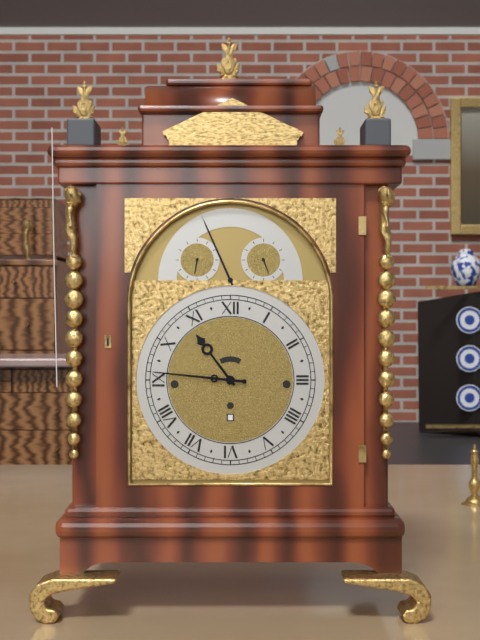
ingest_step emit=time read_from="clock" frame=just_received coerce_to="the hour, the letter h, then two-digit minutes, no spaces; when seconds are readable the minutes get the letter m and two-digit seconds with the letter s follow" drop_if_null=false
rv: 10h46
